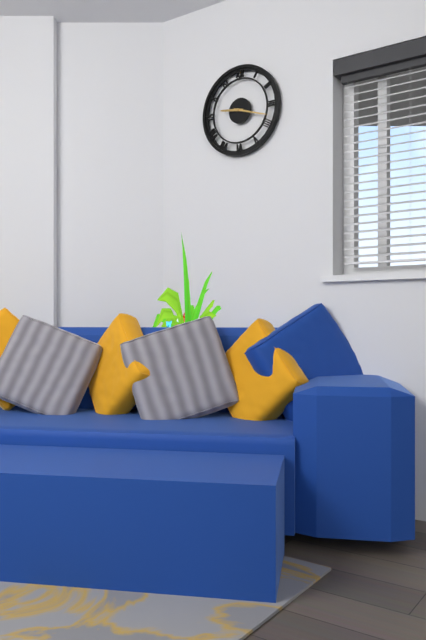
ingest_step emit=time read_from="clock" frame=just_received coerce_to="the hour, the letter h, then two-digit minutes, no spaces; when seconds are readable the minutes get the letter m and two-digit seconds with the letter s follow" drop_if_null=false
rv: 9h18
